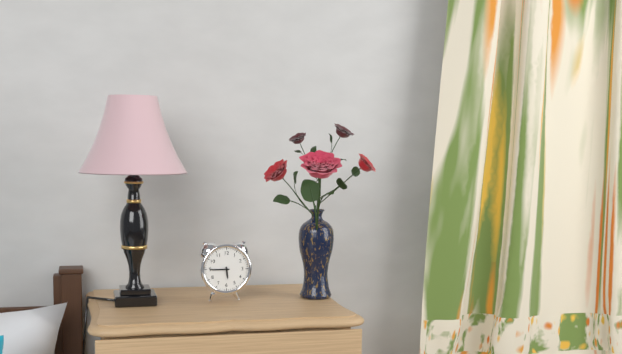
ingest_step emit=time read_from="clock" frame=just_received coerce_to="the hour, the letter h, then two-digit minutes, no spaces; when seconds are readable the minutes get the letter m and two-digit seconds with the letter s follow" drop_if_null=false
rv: 5h45
